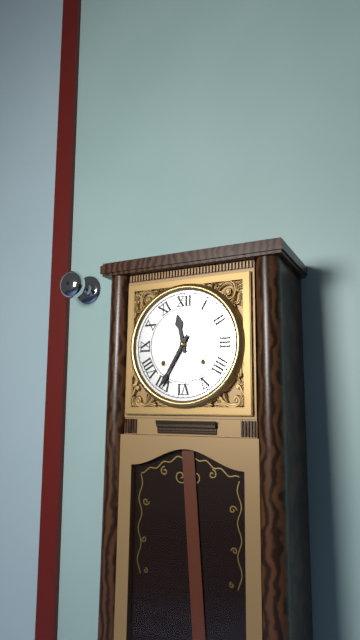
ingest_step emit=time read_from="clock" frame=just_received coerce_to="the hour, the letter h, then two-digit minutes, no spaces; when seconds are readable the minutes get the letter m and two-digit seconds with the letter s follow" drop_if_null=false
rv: 11h35
